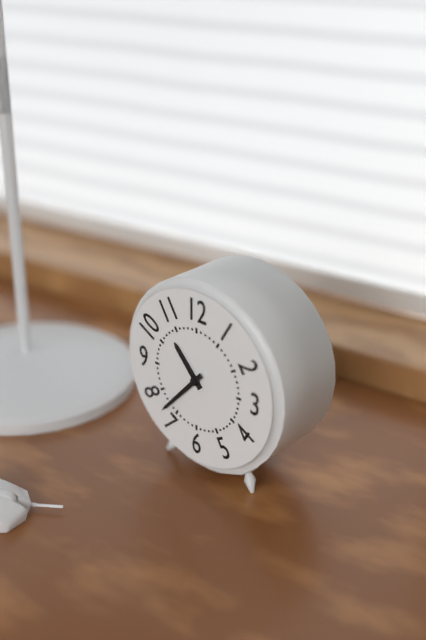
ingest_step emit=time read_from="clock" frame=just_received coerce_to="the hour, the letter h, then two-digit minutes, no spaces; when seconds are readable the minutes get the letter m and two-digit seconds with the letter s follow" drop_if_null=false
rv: 10h37
